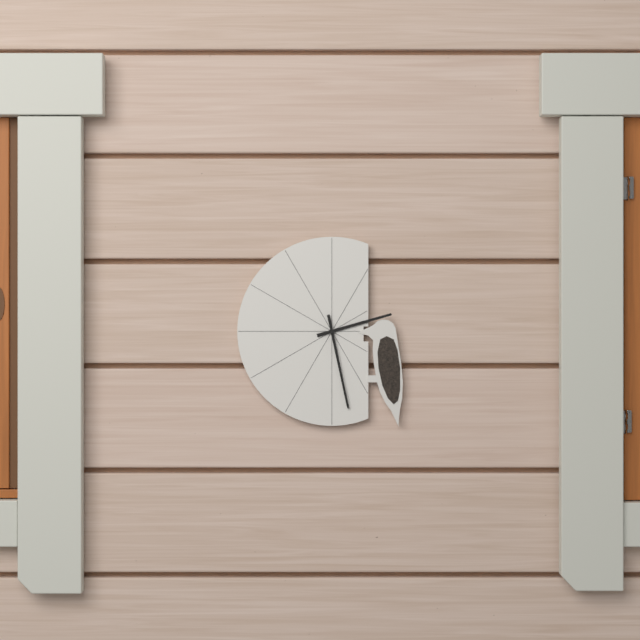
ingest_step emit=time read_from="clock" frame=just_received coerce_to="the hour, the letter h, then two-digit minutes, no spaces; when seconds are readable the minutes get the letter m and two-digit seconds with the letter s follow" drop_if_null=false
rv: 2h28
